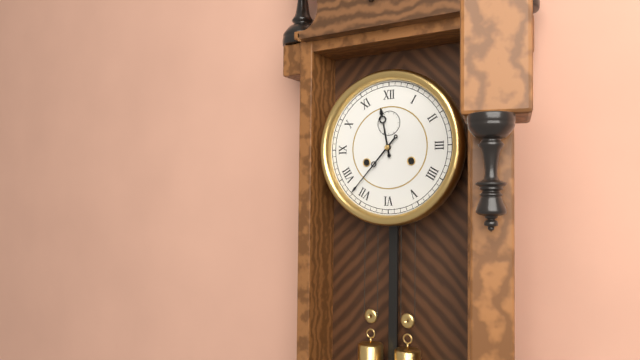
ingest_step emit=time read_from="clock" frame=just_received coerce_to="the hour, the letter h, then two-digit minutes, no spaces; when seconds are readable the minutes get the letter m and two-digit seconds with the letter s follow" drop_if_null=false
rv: 11h37
